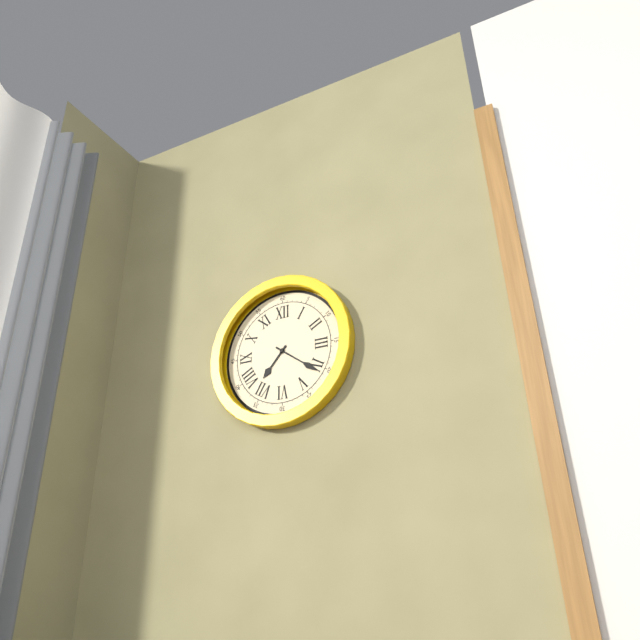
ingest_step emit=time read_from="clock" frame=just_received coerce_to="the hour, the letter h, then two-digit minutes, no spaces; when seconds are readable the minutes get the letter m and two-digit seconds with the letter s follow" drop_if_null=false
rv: 7h21
